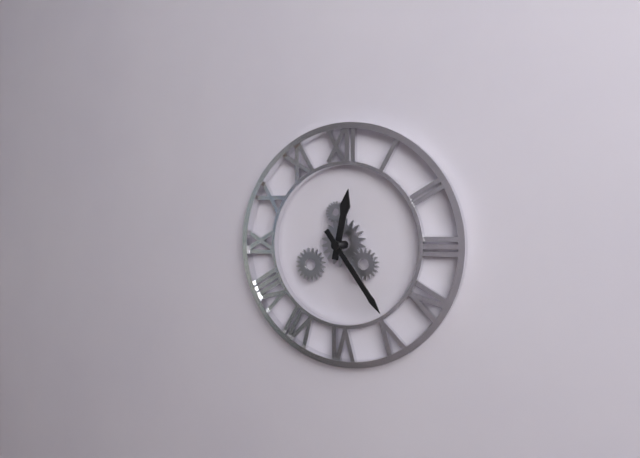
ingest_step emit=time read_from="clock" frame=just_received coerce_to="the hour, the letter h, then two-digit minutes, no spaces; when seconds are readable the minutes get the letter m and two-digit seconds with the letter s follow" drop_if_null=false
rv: 12h24
